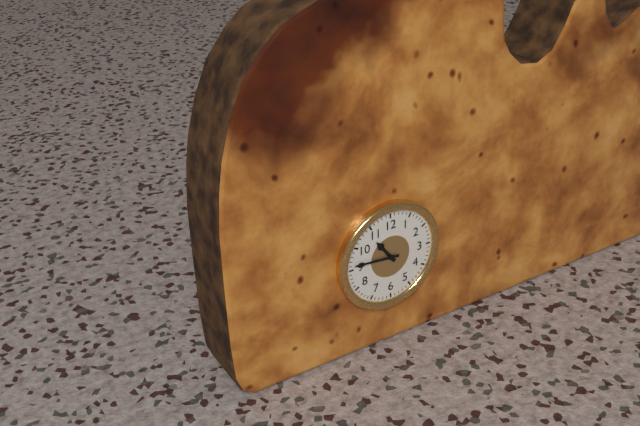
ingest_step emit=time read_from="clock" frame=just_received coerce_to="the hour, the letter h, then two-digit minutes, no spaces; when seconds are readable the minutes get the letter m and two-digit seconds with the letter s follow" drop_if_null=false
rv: 10h46
